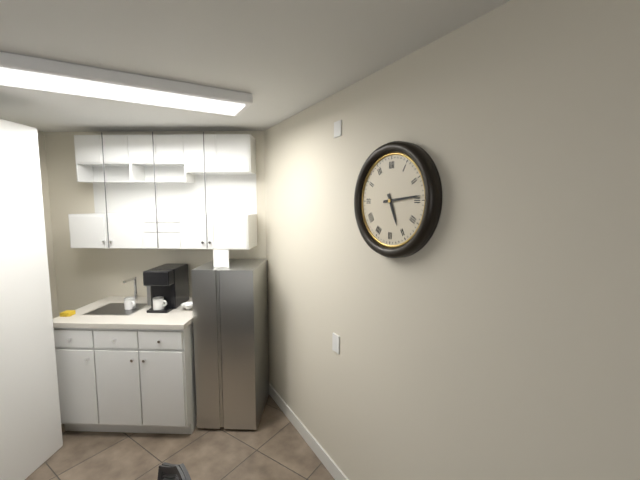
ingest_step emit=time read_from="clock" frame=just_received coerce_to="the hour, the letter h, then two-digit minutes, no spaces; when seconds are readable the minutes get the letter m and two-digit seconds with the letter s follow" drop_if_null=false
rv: 5h14
